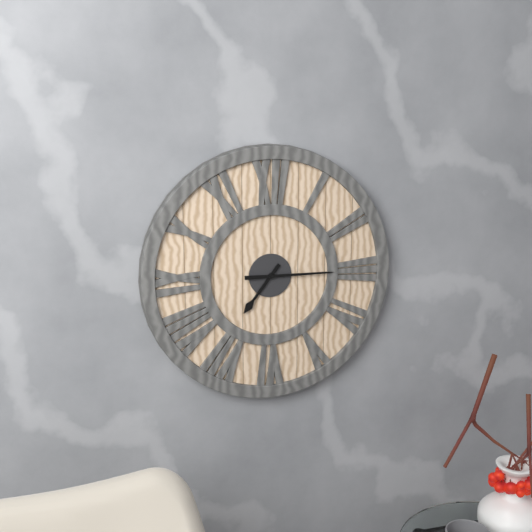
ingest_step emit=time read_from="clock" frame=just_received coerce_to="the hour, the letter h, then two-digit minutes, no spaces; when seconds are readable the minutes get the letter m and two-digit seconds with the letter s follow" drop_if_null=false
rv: 7h15
